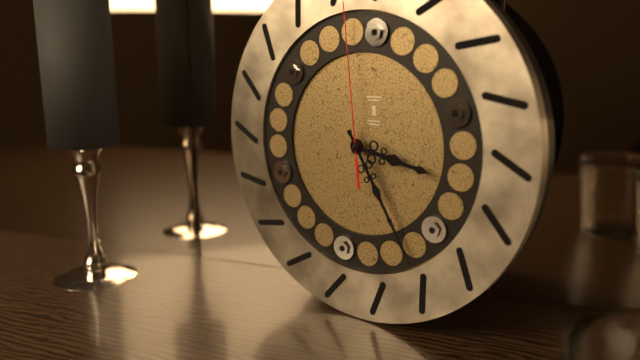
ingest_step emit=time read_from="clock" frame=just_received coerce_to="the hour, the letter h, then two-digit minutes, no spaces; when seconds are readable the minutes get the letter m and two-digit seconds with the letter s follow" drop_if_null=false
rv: 3h25m59s
